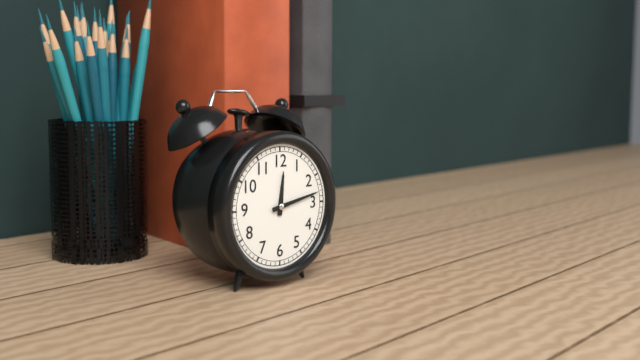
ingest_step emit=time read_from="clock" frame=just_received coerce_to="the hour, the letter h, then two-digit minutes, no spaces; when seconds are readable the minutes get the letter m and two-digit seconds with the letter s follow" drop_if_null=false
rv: 12h13
